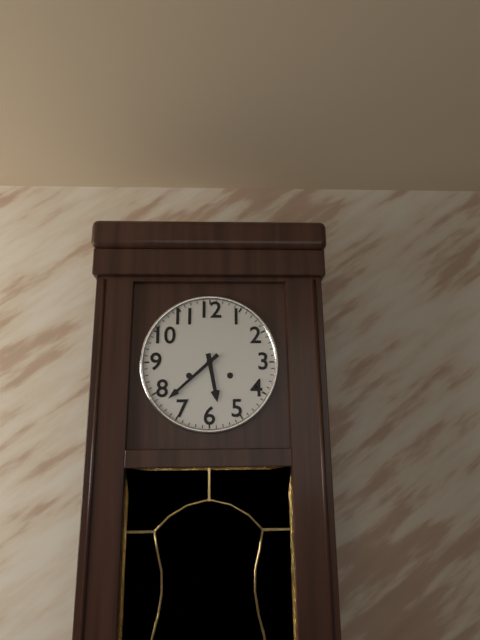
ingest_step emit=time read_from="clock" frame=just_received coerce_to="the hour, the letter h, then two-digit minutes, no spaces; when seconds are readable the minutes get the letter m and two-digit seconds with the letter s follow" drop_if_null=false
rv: 5h38
